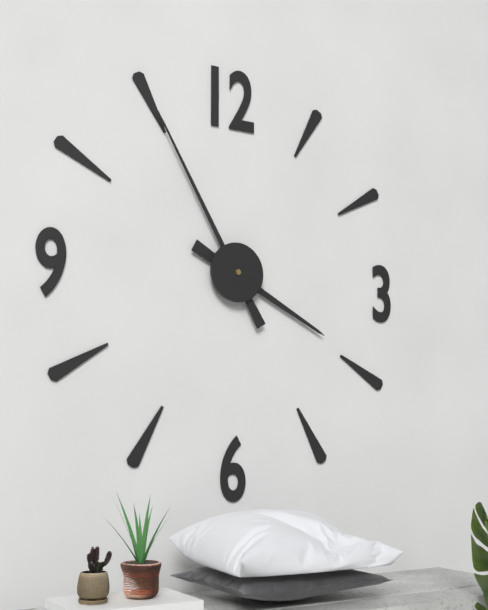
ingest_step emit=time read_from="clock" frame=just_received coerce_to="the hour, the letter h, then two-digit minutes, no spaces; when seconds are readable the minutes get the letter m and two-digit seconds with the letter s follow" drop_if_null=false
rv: 3h55
